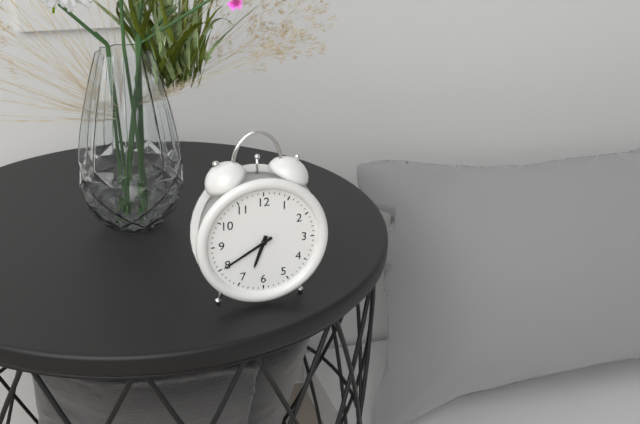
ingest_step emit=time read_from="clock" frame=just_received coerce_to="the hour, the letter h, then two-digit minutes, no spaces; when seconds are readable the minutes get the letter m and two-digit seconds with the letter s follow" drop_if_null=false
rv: 6h40
